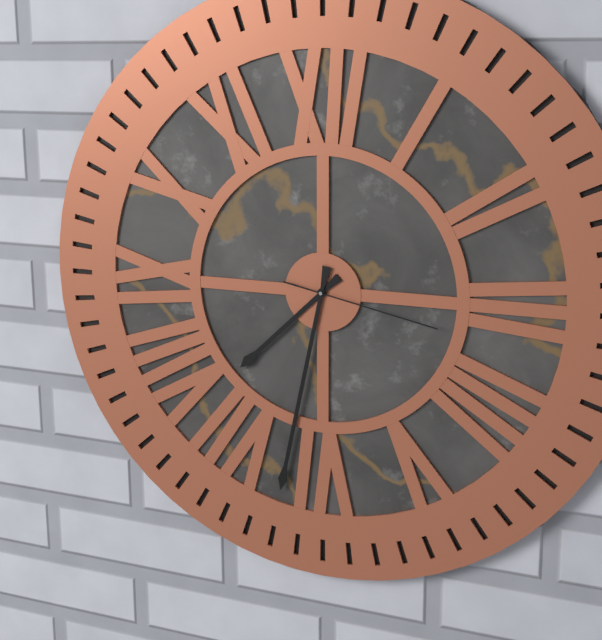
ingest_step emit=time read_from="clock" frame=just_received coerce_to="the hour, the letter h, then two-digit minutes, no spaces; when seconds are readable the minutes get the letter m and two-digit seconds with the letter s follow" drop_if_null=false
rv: 7h32m17s
